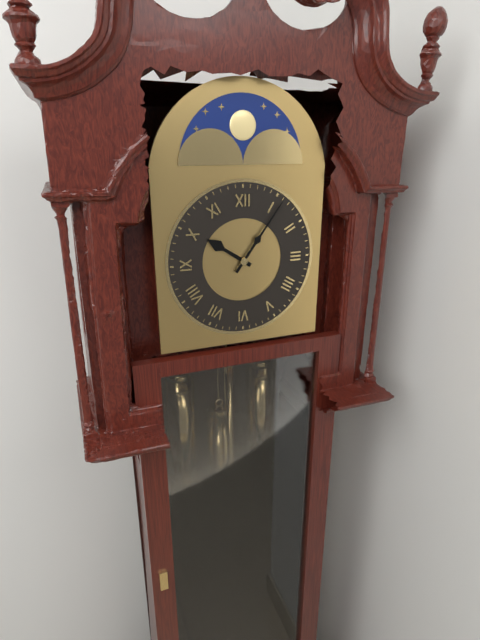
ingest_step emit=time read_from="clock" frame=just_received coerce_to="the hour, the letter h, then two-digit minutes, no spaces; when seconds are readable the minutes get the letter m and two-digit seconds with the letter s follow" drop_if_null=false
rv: 10h06
